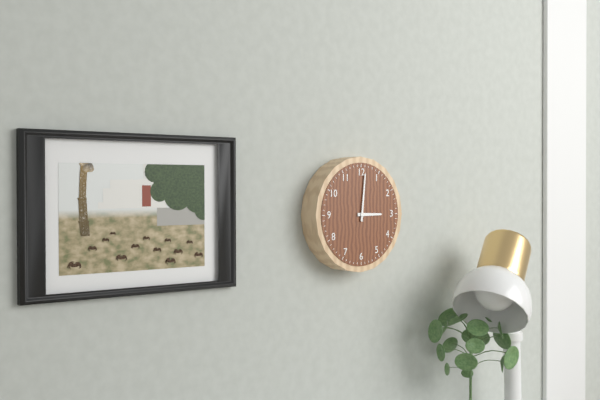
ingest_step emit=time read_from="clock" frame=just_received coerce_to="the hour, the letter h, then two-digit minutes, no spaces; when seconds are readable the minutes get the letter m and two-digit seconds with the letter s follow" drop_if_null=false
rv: 3h01
